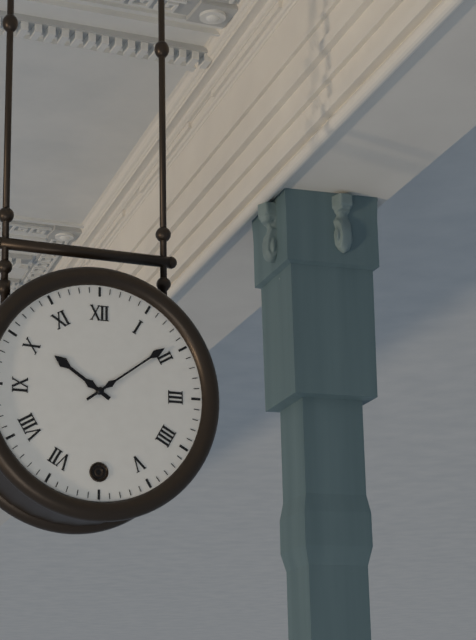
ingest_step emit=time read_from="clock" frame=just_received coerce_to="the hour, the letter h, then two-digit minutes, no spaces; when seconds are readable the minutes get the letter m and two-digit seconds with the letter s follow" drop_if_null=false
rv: 10h09
